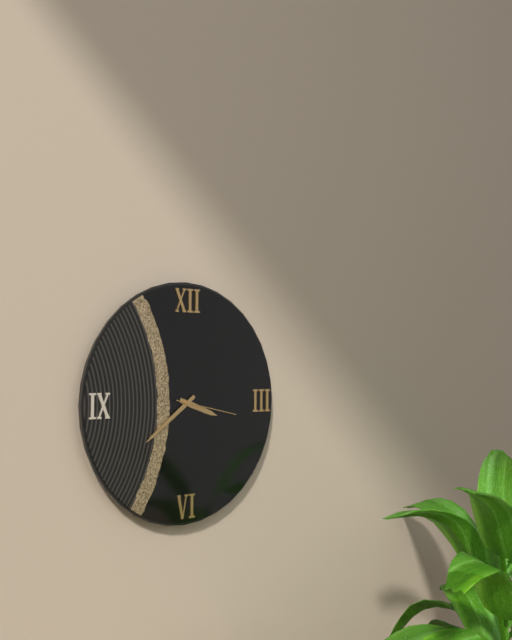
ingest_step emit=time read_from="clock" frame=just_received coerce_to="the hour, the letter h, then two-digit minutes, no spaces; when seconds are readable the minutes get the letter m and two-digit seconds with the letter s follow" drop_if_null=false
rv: 3h39m17s
